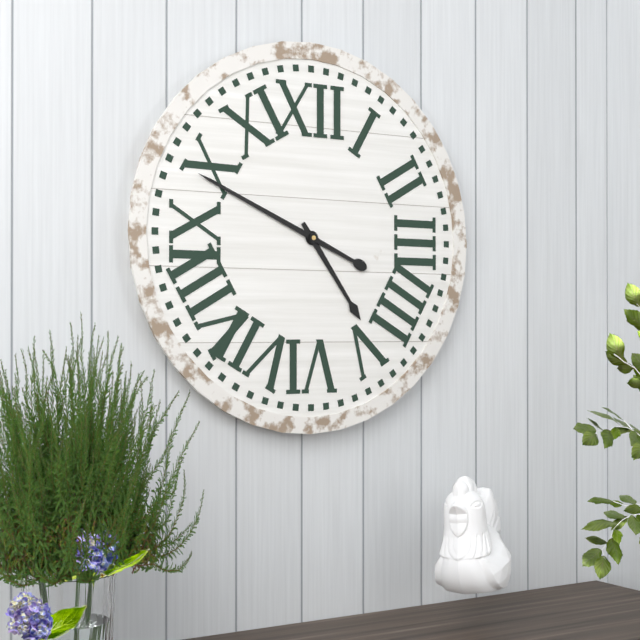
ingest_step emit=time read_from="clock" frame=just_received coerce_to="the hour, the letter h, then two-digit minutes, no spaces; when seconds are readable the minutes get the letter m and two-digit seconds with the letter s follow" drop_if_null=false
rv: 4h49
